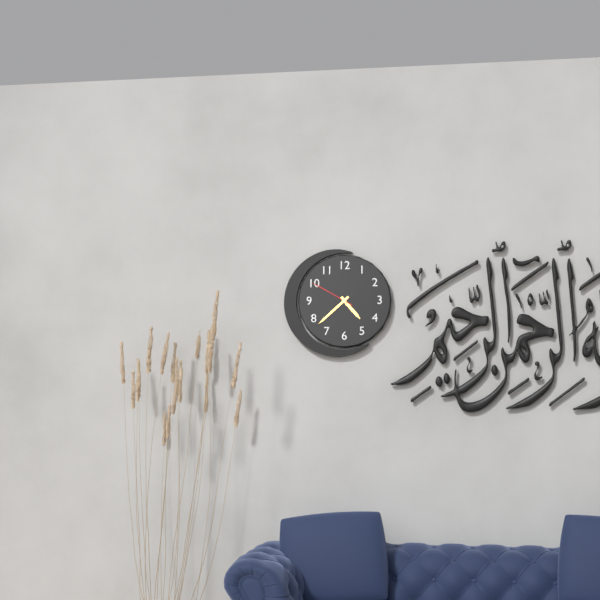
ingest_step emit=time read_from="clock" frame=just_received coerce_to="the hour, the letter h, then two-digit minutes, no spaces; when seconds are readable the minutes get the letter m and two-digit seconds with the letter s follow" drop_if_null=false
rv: 4h38
